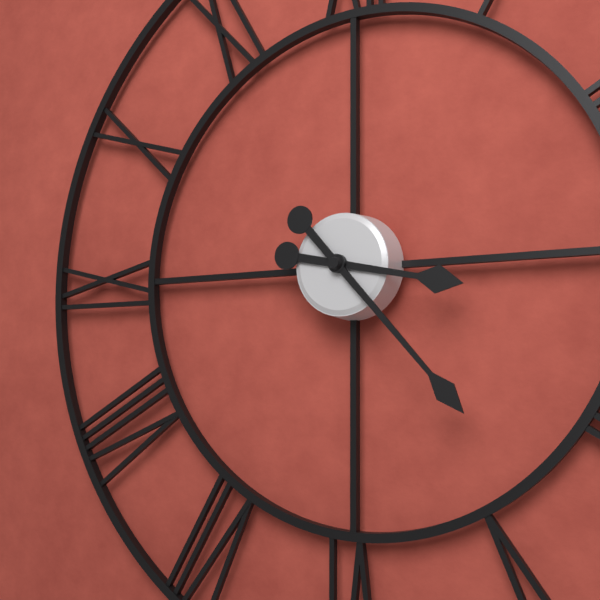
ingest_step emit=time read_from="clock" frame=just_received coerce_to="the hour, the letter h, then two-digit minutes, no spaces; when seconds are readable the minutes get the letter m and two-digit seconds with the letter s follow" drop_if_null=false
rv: 3h23
